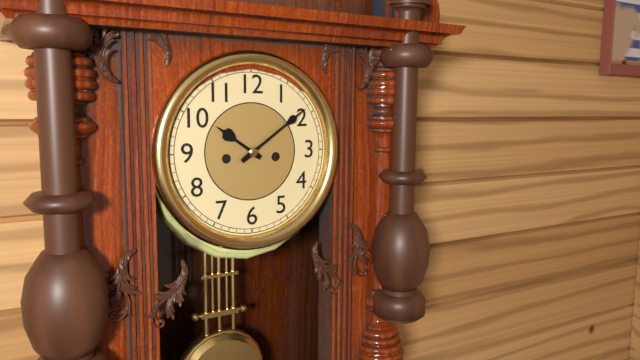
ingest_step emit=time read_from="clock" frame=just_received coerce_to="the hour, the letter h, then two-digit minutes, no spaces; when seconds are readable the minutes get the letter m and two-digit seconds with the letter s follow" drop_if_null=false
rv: 10h09
